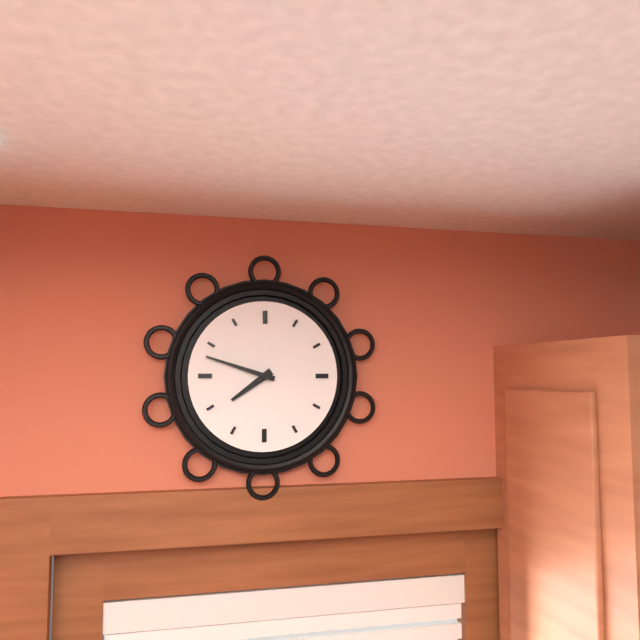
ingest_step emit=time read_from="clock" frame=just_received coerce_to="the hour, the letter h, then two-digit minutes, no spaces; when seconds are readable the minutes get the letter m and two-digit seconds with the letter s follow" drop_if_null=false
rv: 7h48
